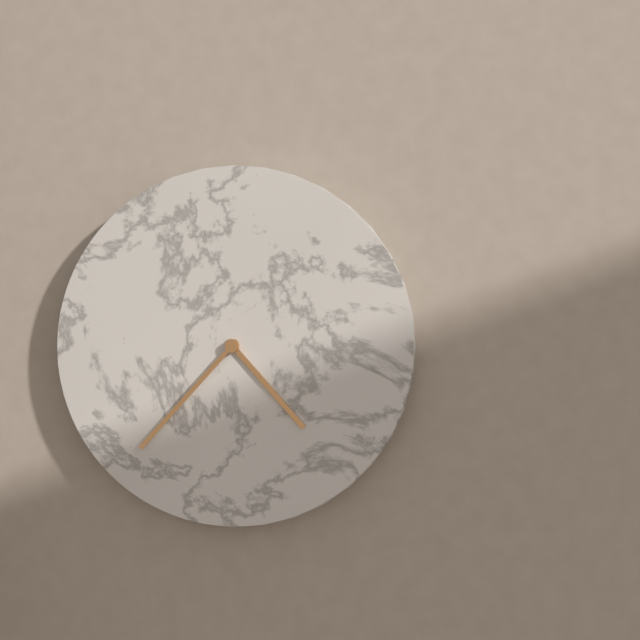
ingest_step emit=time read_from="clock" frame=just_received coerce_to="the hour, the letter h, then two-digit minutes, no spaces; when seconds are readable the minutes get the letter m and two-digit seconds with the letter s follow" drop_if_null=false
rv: 4h37
